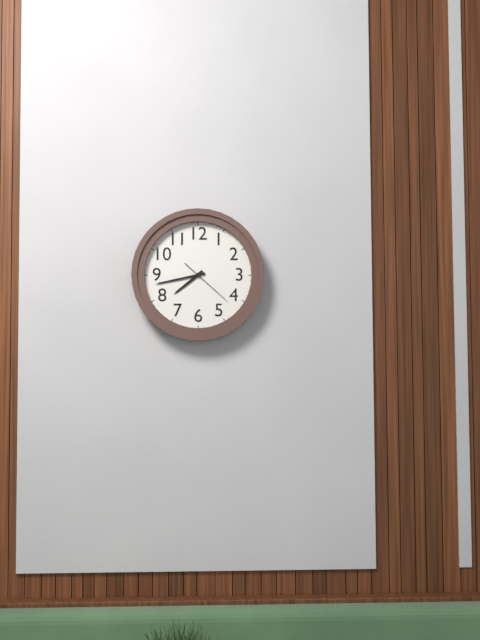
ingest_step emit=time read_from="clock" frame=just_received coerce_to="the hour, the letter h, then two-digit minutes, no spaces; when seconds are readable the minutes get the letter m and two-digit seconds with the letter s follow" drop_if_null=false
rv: 7h43m22s
